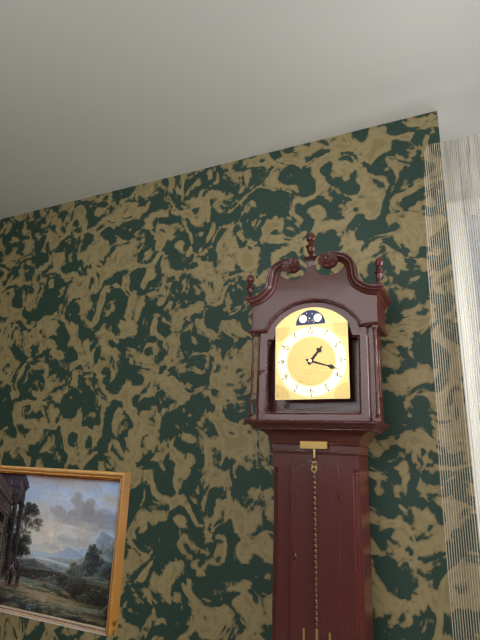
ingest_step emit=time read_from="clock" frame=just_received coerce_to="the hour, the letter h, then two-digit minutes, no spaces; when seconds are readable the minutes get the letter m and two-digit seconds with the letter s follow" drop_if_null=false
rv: 1h18
